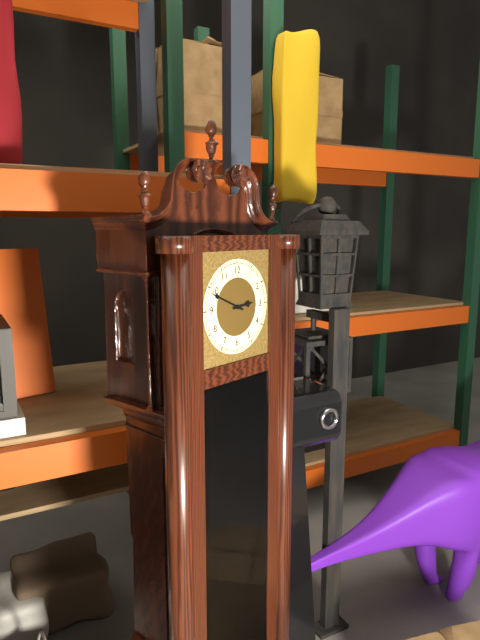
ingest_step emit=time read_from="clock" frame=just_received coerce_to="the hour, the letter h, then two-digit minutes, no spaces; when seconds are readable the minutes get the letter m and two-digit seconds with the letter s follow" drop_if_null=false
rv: 2h49
